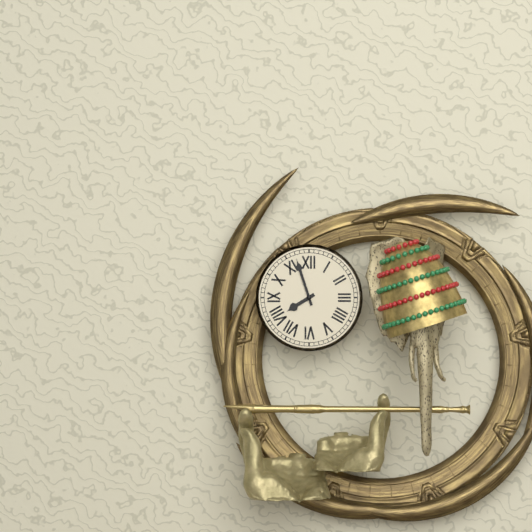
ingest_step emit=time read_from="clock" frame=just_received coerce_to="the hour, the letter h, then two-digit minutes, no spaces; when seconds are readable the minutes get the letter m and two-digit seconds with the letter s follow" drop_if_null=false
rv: 7h57
